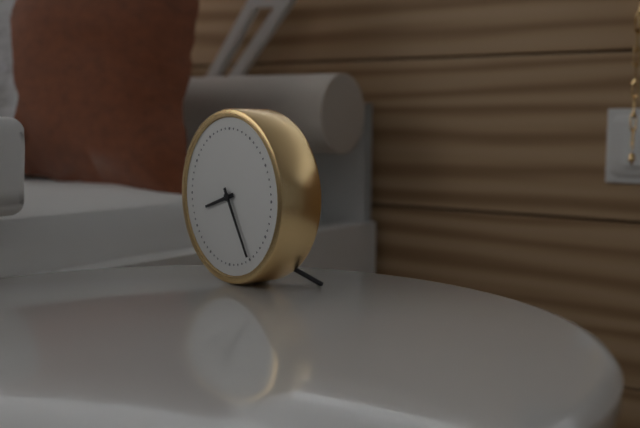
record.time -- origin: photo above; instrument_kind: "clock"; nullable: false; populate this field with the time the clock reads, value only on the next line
8:25
